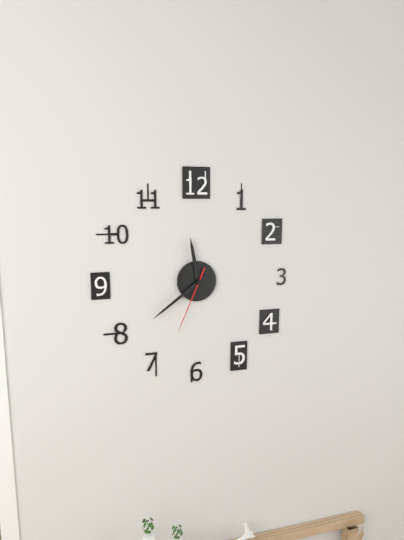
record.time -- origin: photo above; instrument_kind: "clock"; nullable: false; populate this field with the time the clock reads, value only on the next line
11:39:34
